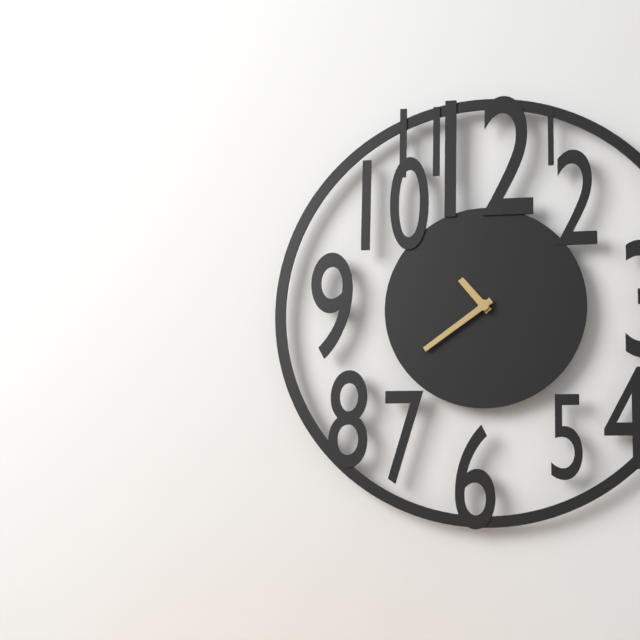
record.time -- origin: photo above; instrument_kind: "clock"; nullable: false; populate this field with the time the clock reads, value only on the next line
10:39
